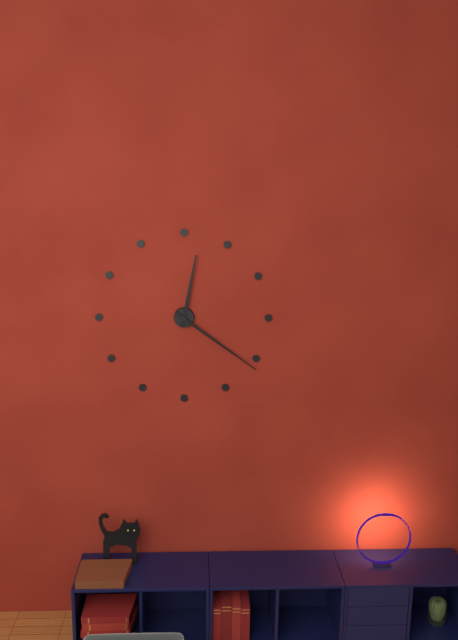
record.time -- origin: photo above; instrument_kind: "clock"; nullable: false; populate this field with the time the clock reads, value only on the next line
12:21
